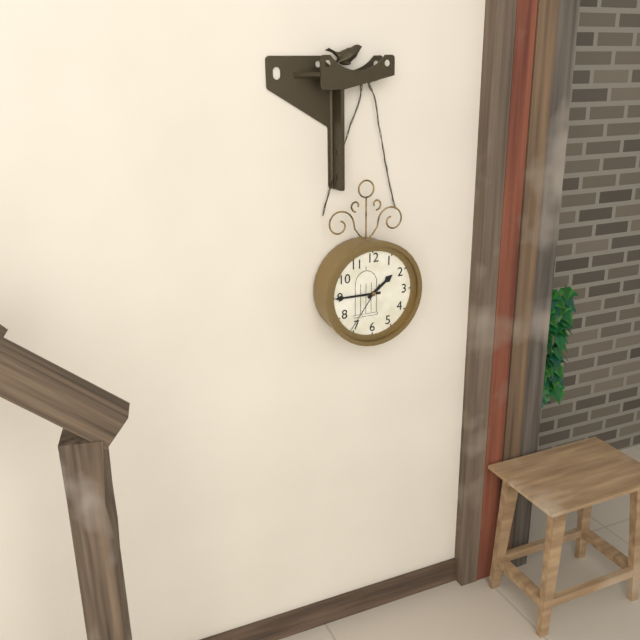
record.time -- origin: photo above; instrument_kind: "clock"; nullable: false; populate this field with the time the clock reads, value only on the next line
1:45:36
